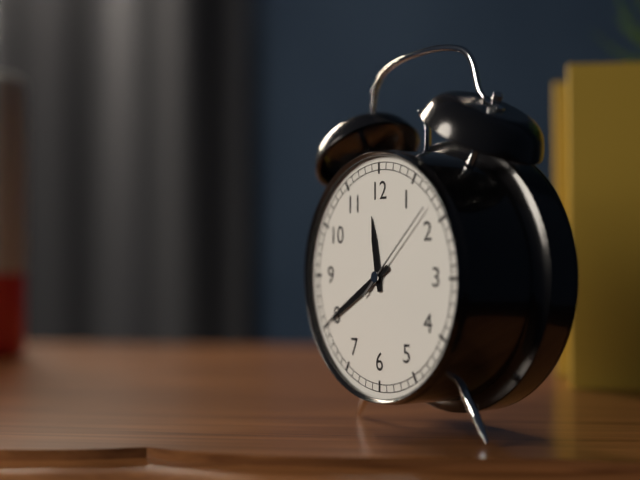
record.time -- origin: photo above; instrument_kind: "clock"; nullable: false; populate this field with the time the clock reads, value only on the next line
11:40:08
